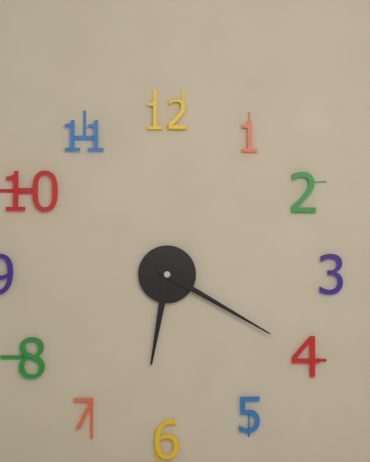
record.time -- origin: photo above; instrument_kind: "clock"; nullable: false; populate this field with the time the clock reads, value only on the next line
6:20
